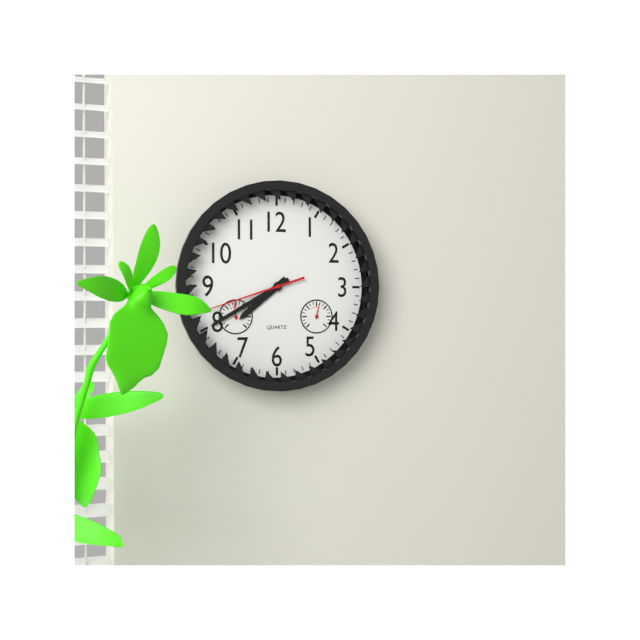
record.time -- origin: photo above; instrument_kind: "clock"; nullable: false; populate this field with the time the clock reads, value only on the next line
7:40:42
